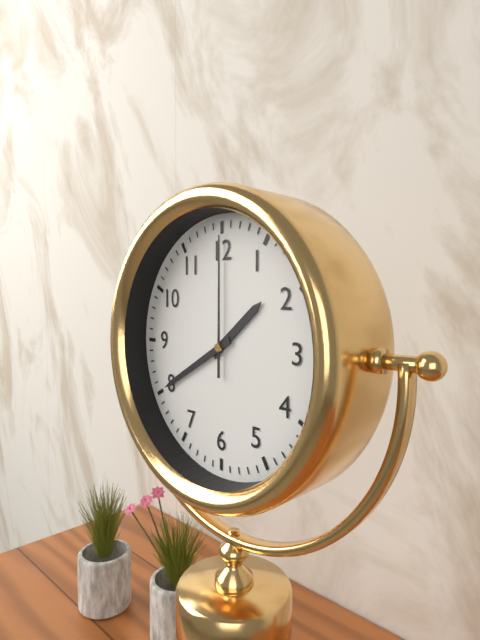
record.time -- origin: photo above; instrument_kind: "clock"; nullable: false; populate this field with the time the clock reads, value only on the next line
1:40:00
